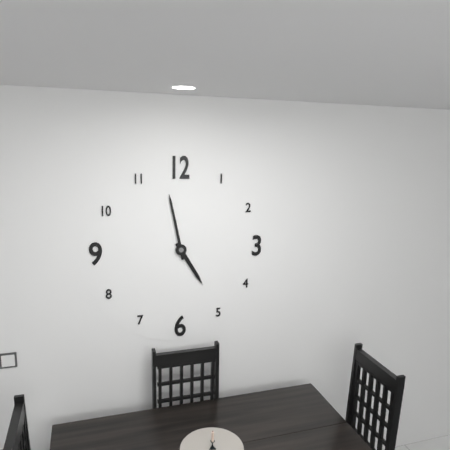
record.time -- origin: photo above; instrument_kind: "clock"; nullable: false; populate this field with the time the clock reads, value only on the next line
4:58
